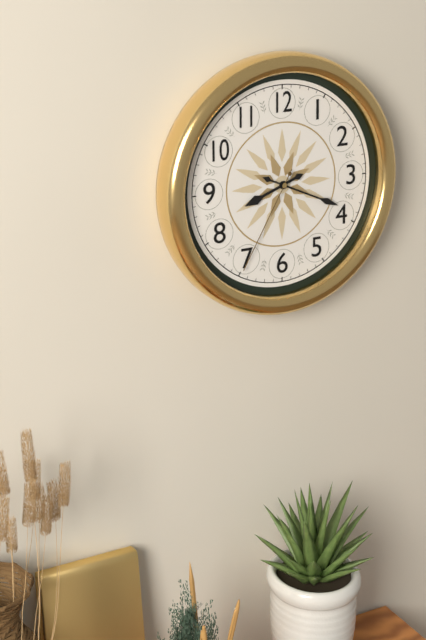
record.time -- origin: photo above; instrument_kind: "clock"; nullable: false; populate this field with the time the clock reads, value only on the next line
8:19:35
